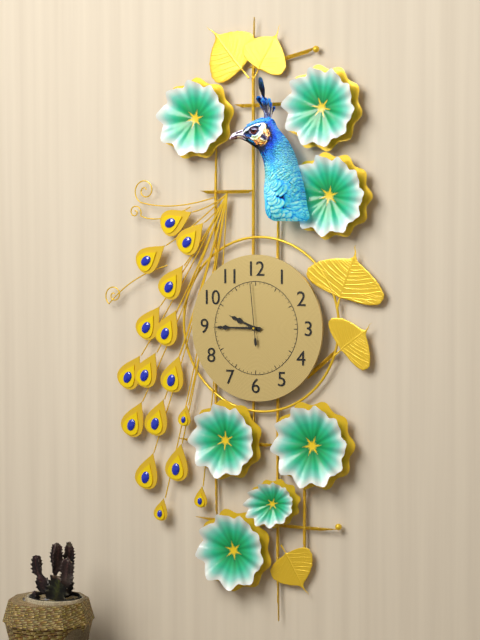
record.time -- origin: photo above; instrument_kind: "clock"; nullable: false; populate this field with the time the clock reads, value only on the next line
9:45:59
